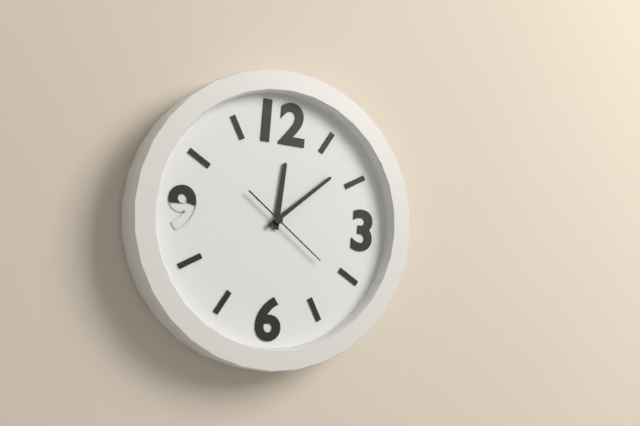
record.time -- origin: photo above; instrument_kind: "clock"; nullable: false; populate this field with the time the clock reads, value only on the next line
12:08:21
